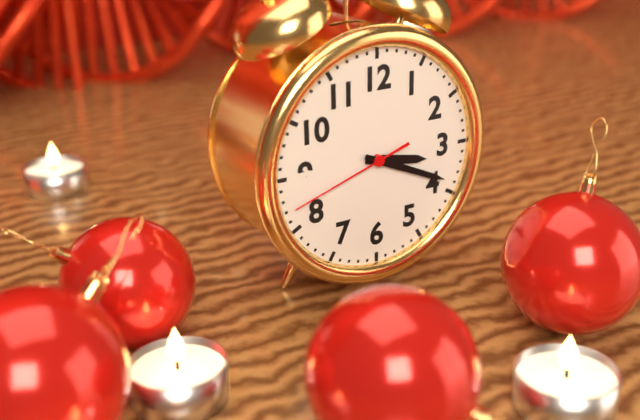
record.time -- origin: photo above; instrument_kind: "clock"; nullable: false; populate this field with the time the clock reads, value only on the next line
3:19:42
